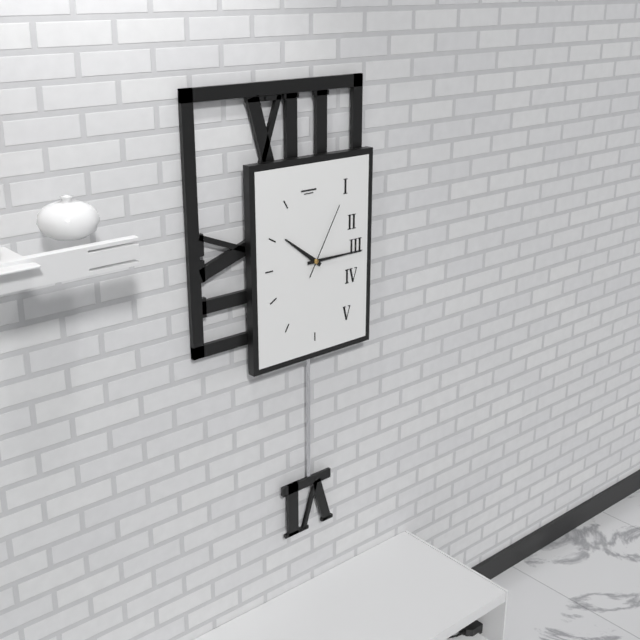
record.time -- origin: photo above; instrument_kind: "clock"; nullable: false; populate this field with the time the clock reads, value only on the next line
10:15:05
